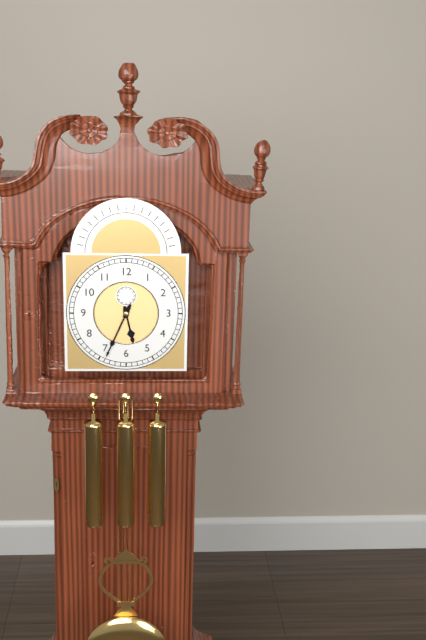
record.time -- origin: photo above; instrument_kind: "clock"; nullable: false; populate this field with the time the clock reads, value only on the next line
5:34
